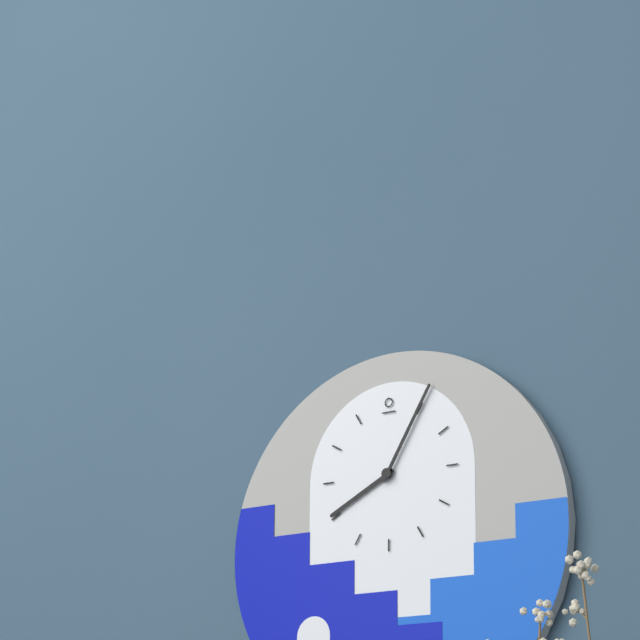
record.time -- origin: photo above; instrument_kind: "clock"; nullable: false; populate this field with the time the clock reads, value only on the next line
8:05
